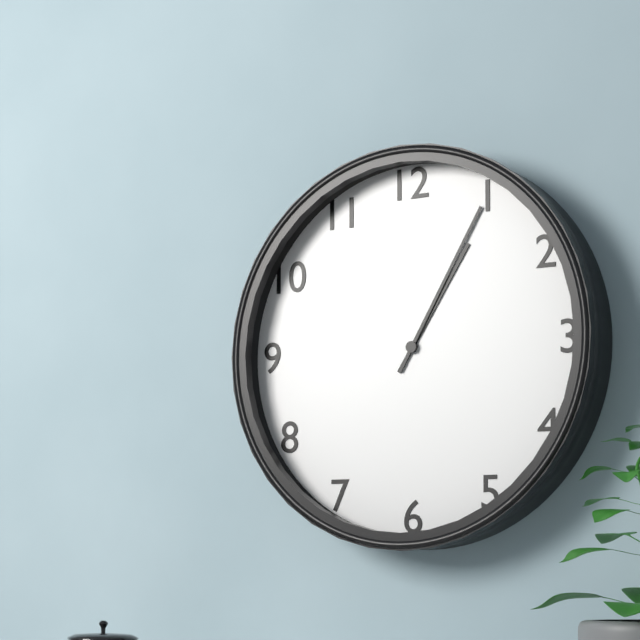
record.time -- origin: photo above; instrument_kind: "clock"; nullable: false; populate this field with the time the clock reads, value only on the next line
1:05
